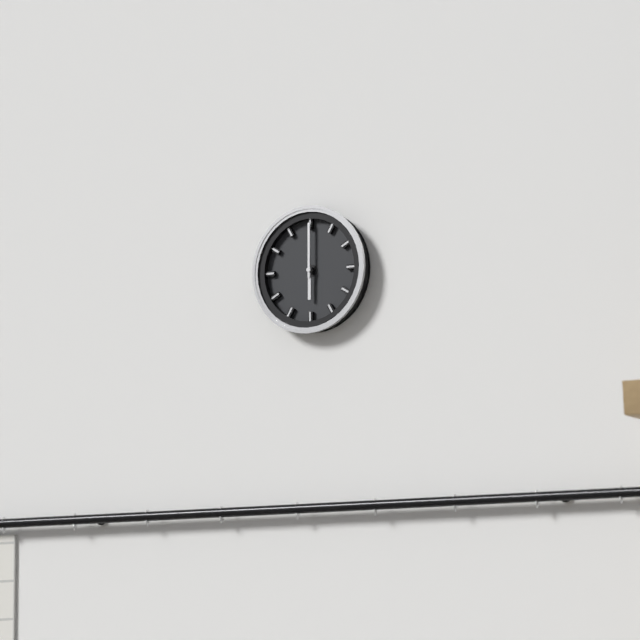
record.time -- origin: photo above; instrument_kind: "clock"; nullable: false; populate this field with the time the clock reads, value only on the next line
6:00
